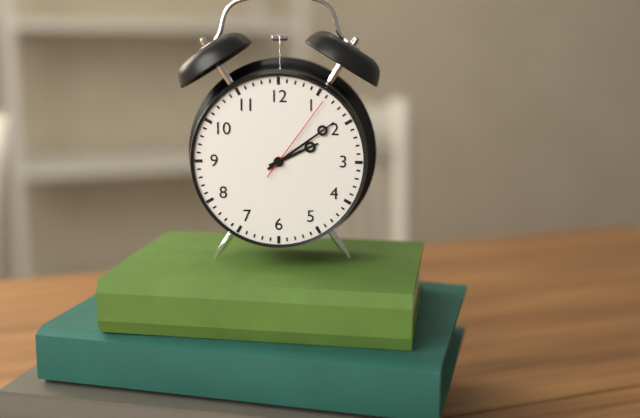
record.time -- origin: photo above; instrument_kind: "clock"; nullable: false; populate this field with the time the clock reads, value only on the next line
2:09:06
